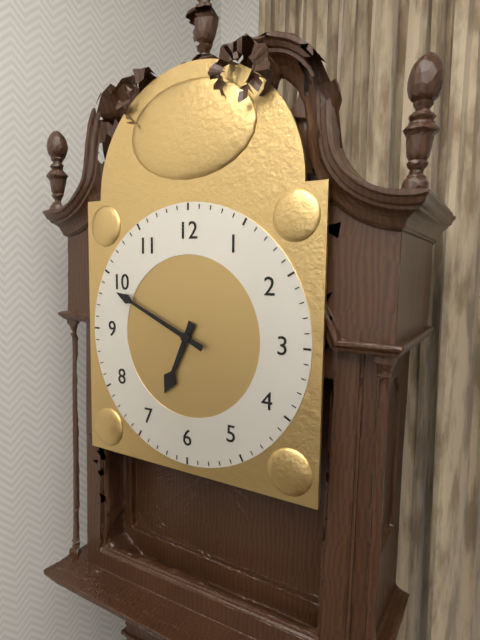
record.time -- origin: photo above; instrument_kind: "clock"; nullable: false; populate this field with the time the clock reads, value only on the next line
6:49
